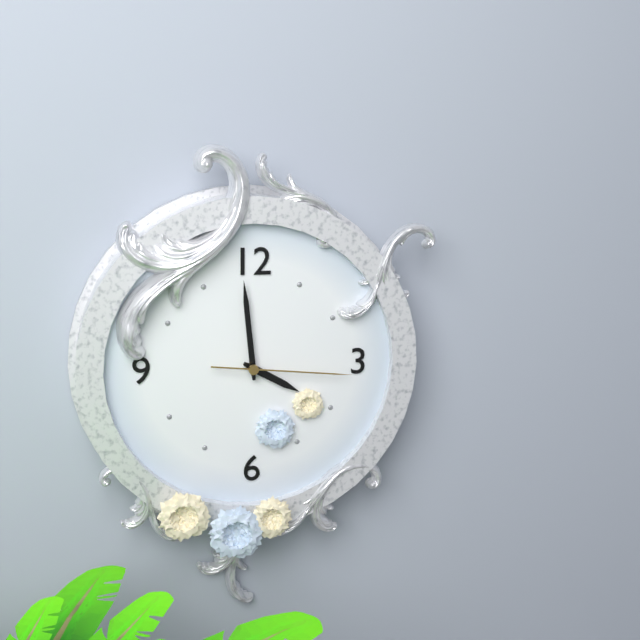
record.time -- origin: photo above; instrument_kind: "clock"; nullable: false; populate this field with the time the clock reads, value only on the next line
3:59:16
